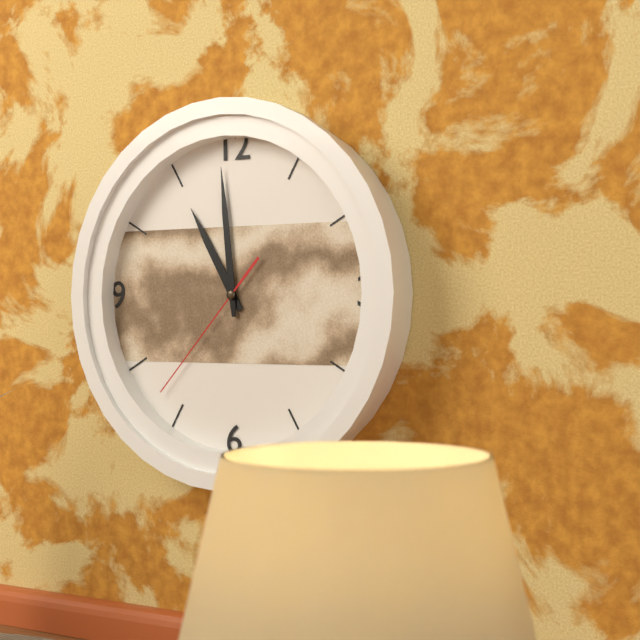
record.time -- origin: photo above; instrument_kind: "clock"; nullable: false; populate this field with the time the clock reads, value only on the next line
10:59:37
